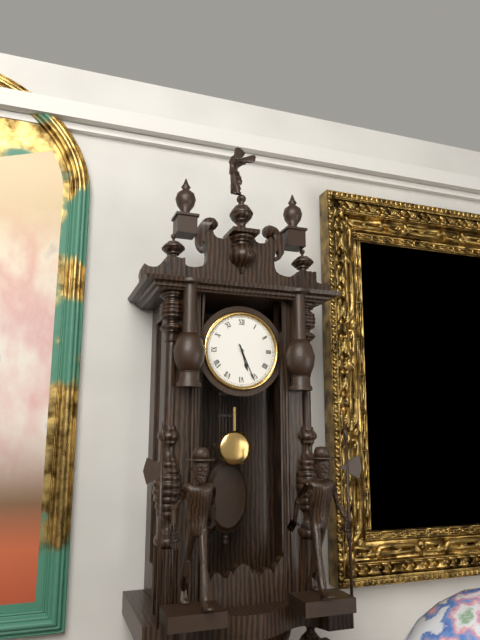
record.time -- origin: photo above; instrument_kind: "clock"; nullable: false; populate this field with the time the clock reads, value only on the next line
5:26
